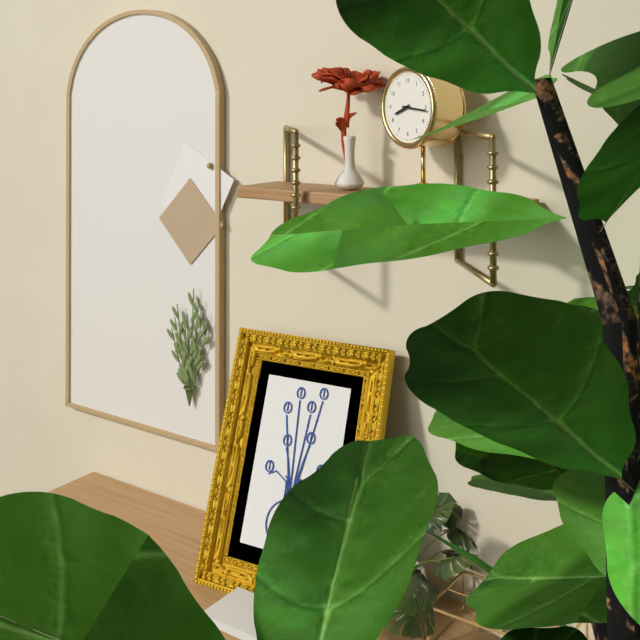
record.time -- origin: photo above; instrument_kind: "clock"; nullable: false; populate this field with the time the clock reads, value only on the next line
8:16
